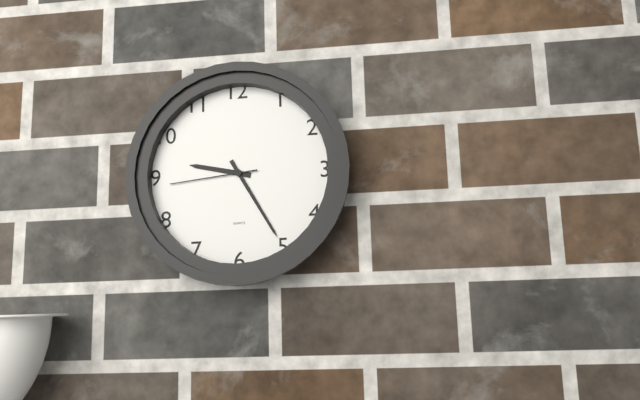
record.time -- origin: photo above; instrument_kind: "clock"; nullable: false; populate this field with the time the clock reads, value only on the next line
9:25:44
